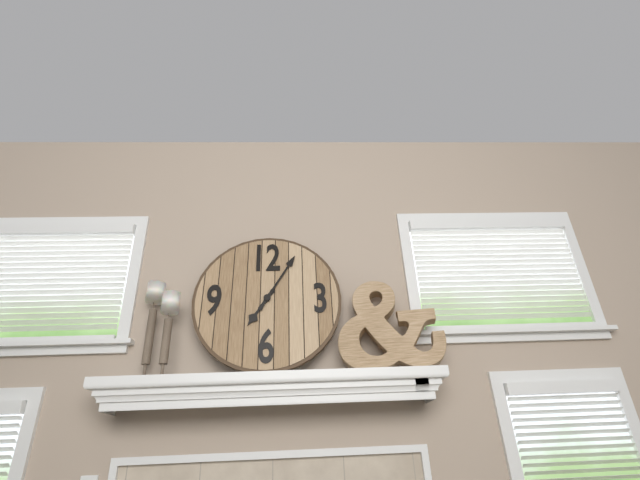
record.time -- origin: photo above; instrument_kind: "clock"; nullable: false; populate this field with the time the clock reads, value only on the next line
7:05
